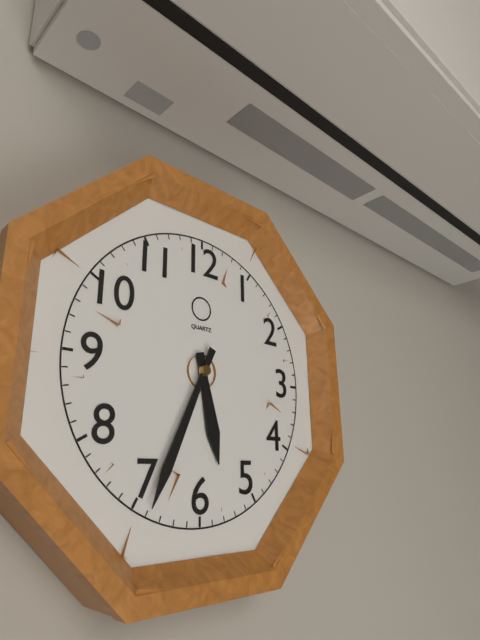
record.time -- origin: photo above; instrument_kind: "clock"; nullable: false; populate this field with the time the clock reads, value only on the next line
5:34
